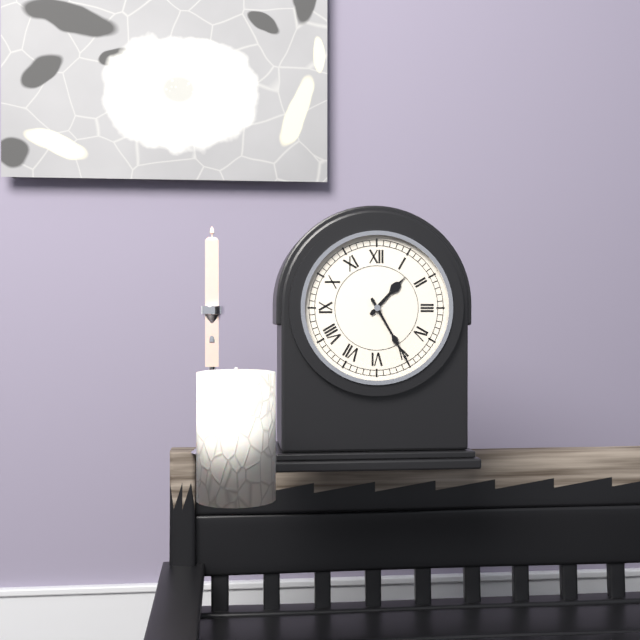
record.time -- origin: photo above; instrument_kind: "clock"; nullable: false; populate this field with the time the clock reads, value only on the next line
1:25
